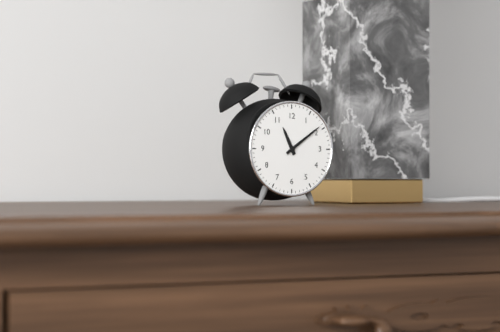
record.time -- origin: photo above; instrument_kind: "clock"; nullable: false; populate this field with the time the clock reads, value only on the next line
11:09
